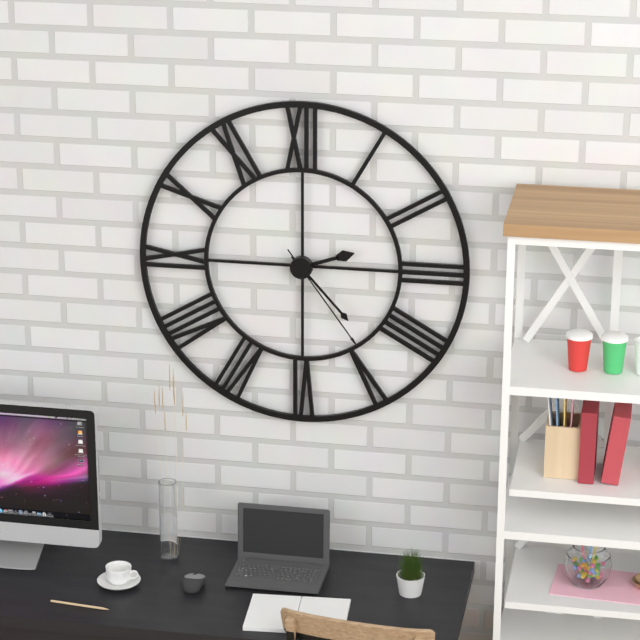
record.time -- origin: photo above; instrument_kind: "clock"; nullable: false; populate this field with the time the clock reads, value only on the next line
2:23:24
